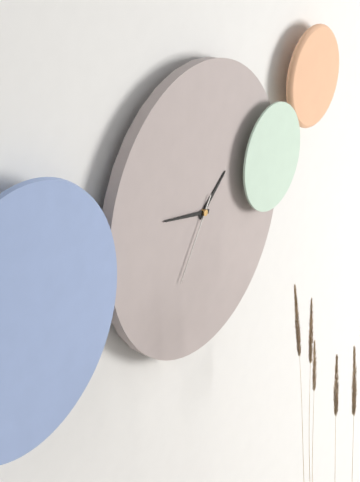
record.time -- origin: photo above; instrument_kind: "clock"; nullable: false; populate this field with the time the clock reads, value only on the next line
1:47:36
